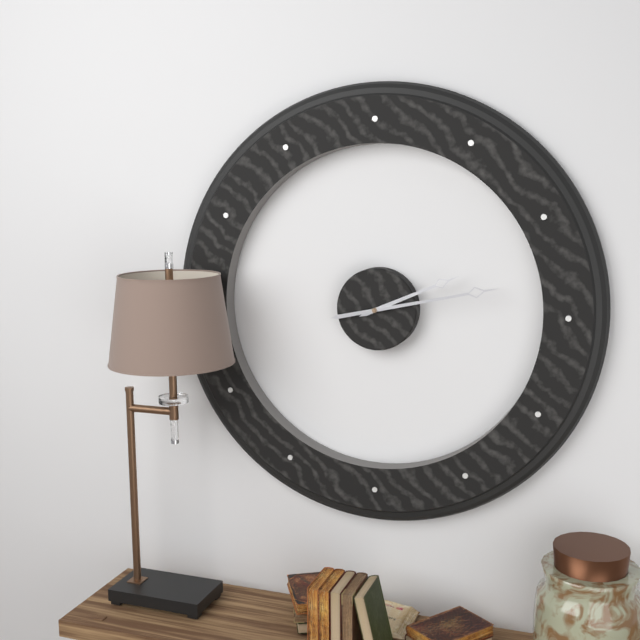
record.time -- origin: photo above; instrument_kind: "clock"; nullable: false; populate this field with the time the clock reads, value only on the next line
2:13
